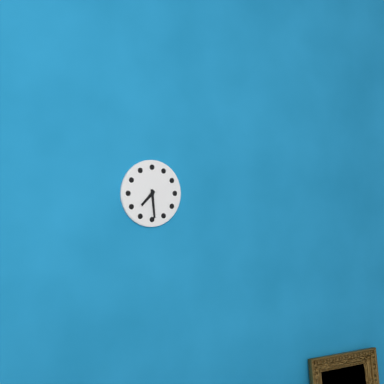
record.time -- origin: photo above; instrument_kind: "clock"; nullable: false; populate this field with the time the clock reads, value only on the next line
7:29
